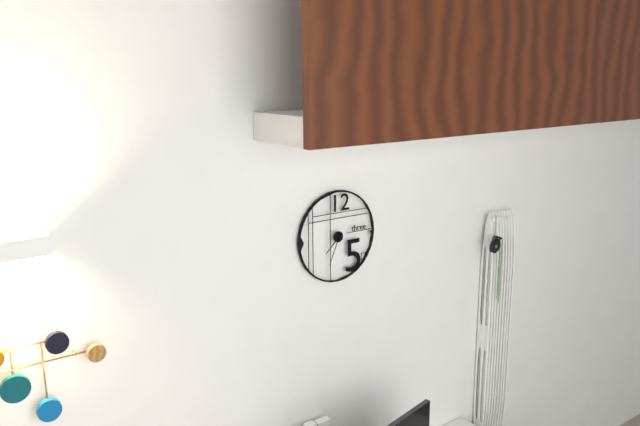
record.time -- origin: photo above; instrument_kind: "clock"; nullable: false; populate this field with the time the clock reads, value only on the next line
7:34
